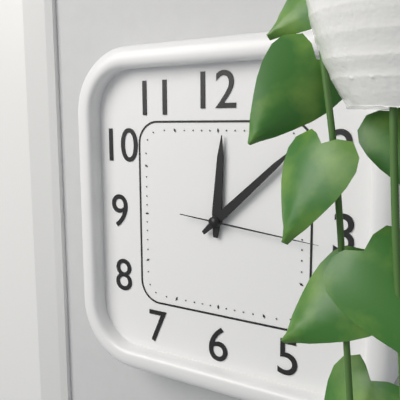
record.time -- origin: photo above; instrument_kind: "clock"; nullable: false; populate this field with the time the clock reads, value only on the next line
12:08:16
